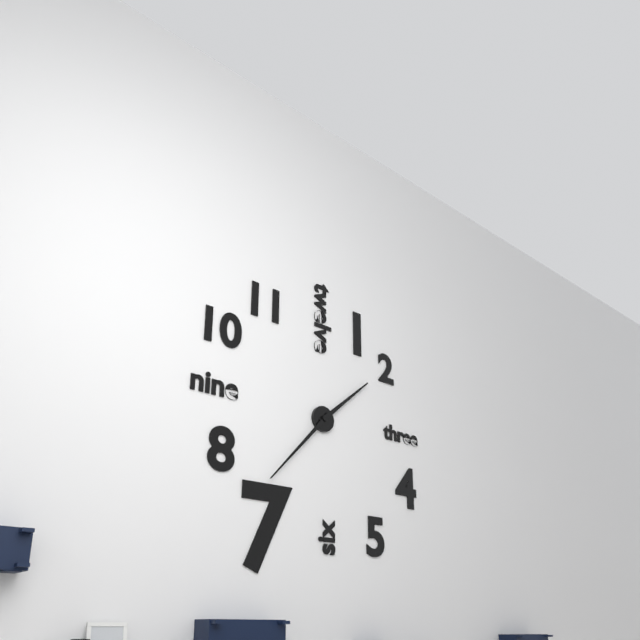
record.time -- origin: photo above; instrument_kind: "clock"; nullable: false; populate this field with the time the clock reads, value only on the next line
1:37
